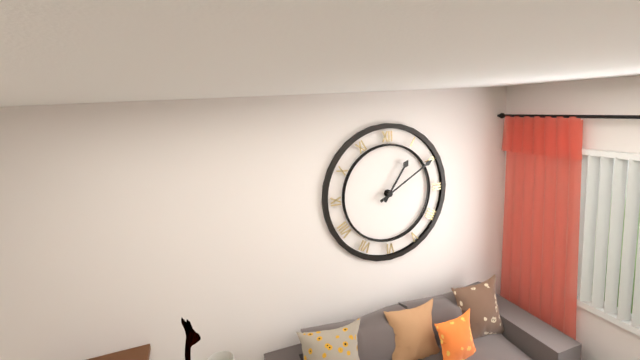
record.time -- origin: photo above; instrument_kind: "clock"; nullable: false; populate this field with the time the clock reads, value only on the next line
1:10
